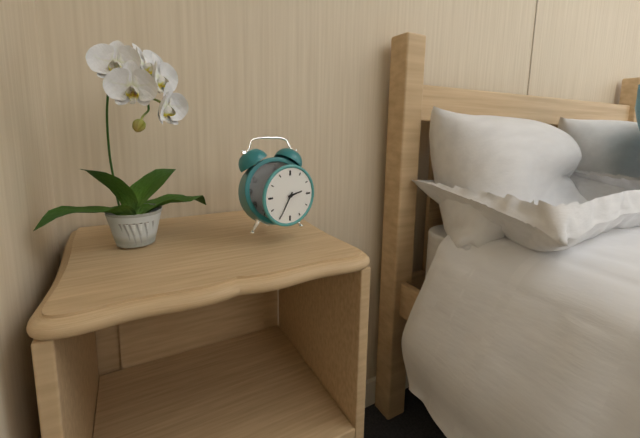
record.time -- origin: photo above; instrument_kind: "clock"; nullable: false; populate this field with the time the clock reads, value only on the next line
2:35
